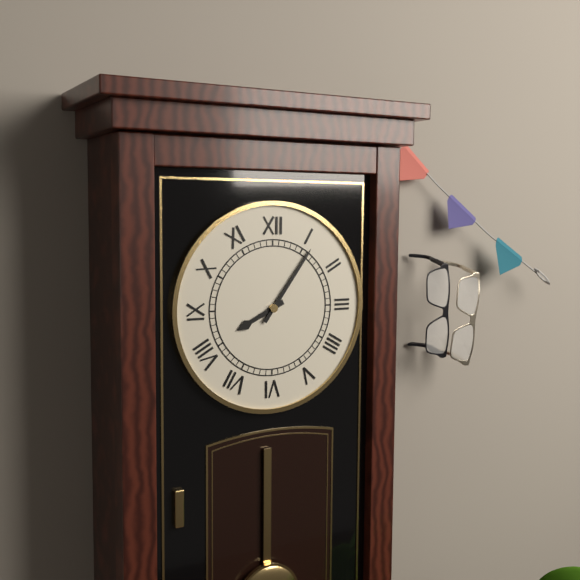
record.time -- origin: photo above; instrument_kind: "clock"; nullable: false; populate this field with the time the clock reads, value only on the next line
8:06
